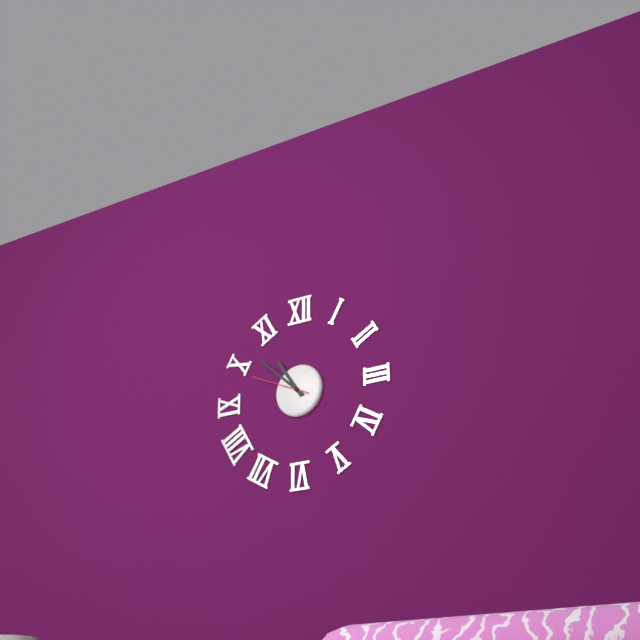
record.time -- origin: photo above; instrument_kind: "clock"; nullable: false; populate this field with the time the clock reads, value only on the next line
10:52:49
